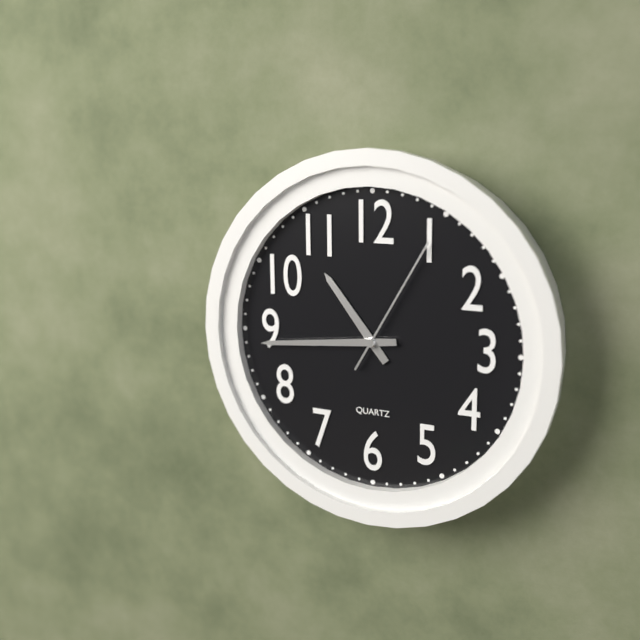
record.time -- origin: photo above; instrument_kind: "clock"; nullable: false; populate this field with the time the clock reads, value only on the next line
10:44:05
